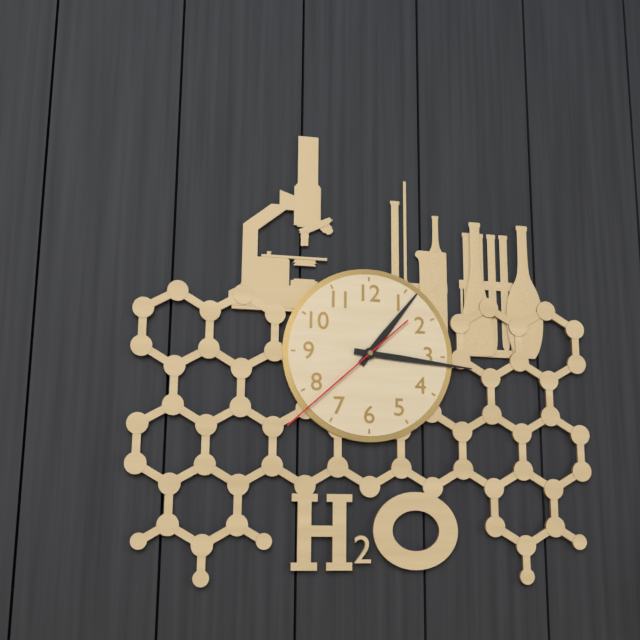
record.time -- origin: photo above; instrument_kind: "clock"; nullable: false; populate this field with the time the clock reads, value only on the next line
1:16:38
